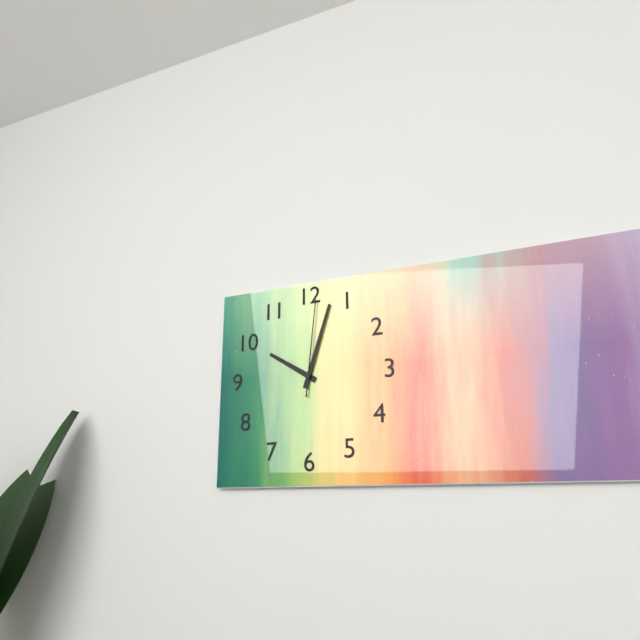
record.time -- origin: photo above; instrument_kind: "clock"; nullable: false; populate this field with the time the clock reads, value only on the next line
10:03:01
